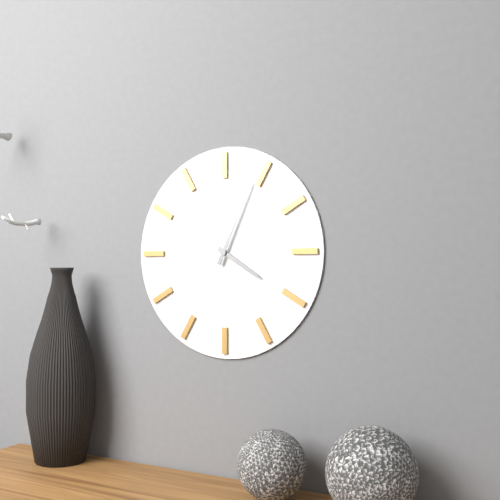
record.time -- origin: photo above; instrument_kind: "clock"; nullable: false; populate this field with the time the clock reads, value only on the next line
4:04
